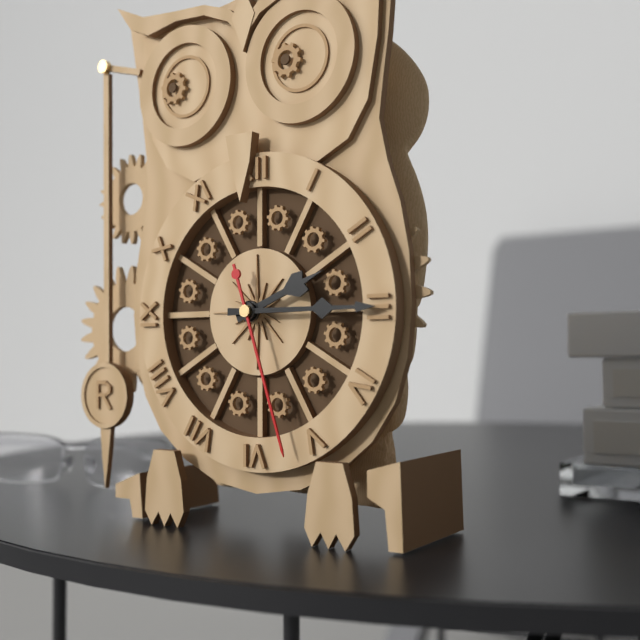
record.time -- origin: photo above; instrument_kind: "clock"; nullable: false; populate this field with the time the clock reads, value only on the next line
2:15:27
